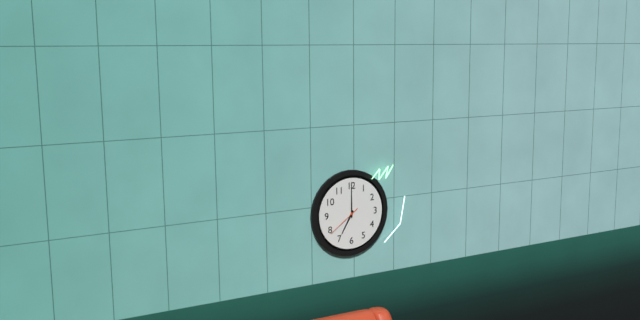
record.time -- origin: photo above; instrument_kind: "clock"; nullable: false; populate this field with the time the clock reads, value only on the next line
7:00
